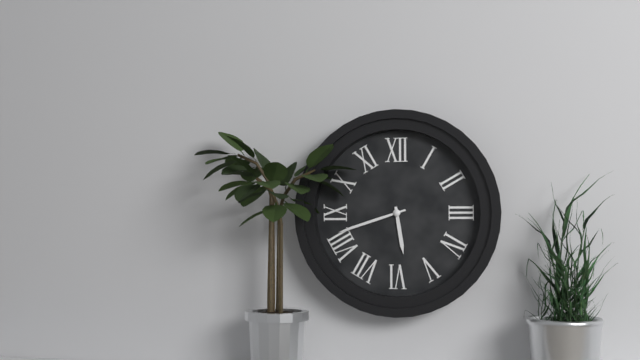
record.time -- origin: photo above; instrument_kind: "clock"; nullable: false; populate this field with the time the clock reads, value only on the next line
5:42
